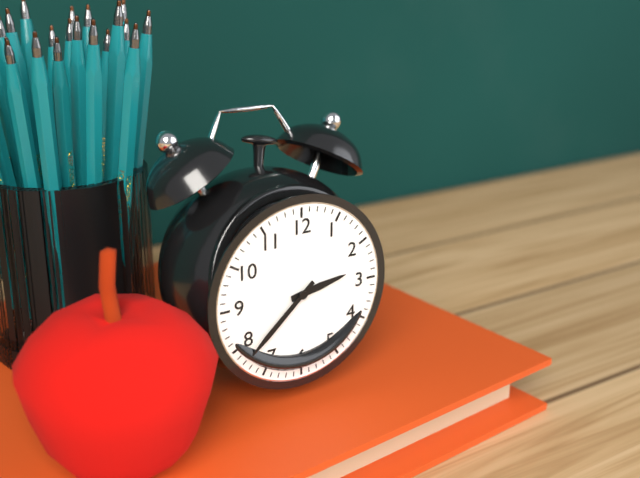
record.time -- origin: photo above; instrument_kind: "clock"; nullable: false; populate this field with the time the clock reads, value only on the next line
2:38
